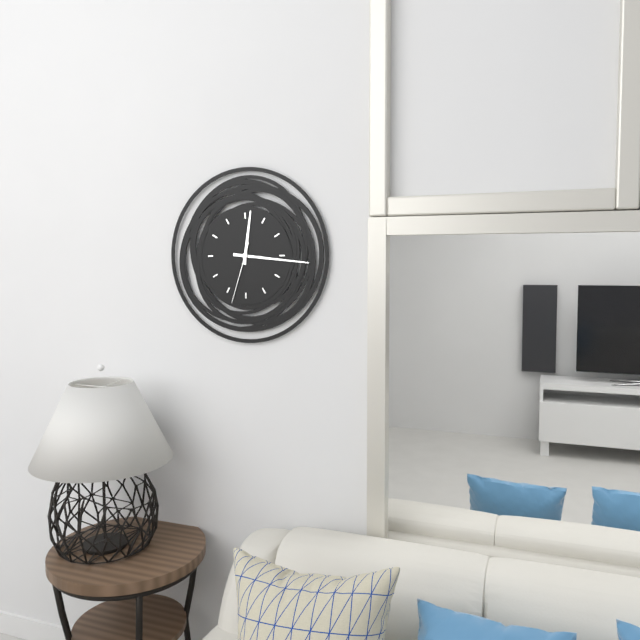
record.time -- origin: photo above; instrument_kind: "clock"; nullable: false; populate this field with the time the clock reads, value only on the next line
12:16:33
